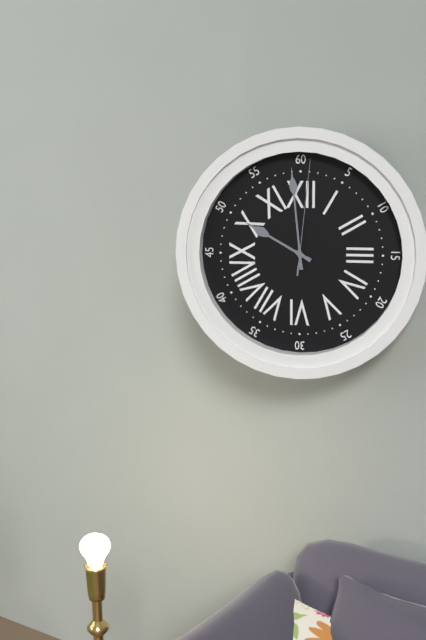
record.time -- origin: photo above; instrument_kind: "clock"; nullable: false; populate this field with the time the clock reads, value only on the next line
9:59:01
